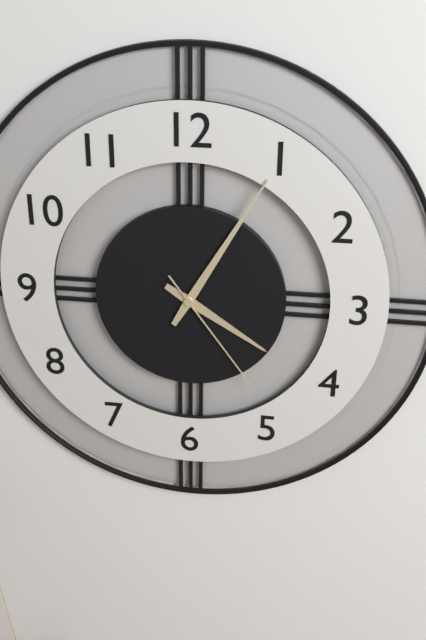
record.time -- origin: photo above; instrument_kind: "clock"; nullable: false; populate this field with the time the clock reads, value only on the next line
4:05:24
